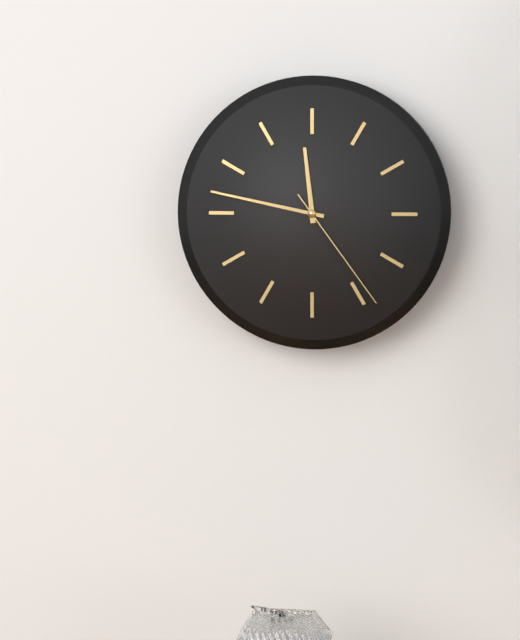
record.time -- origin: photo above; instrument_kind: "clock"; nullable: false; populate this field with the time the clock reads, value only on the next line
11:47:24
